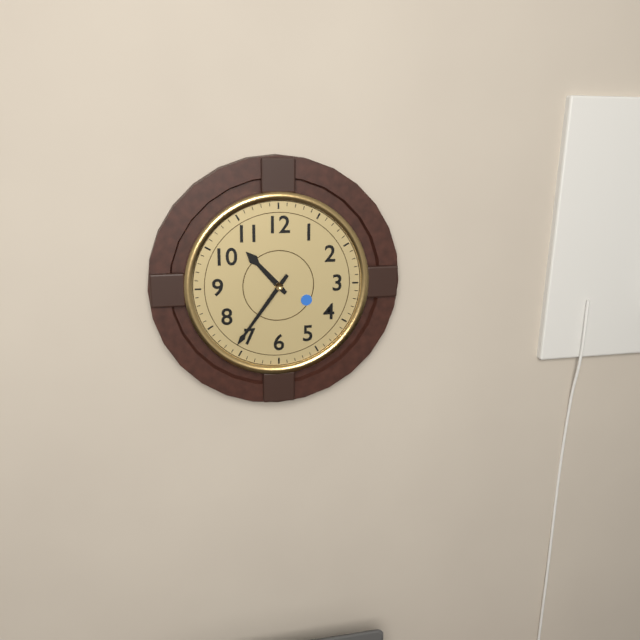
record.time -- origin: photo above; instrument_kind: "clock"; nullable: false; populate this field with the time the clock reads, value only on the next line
10:36
